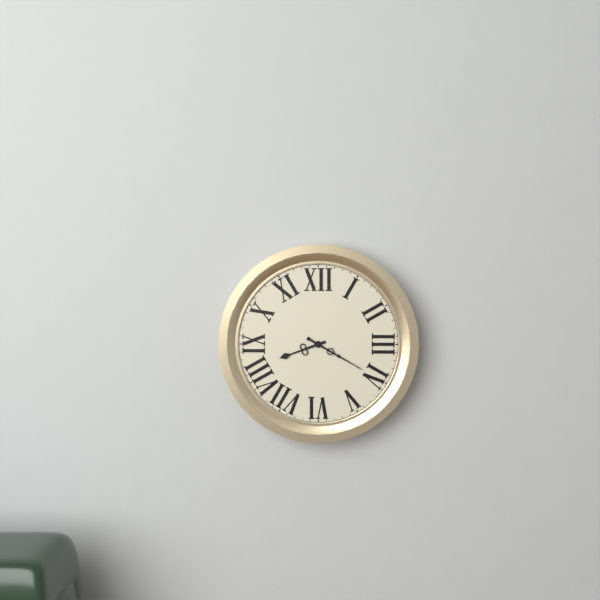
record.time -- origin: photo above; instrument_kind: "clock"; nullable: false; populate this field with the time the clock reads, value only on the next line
8:20
